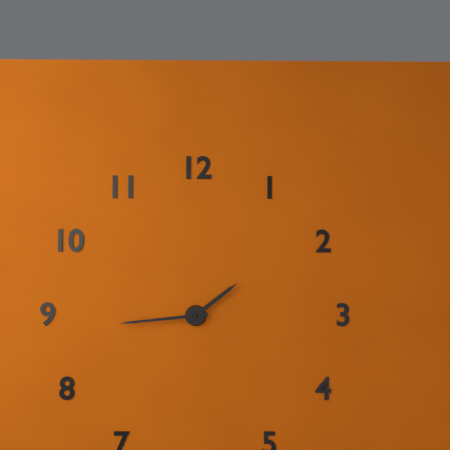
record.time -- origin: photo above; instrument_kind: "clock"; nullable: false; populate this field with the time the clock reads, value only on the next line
1:44
